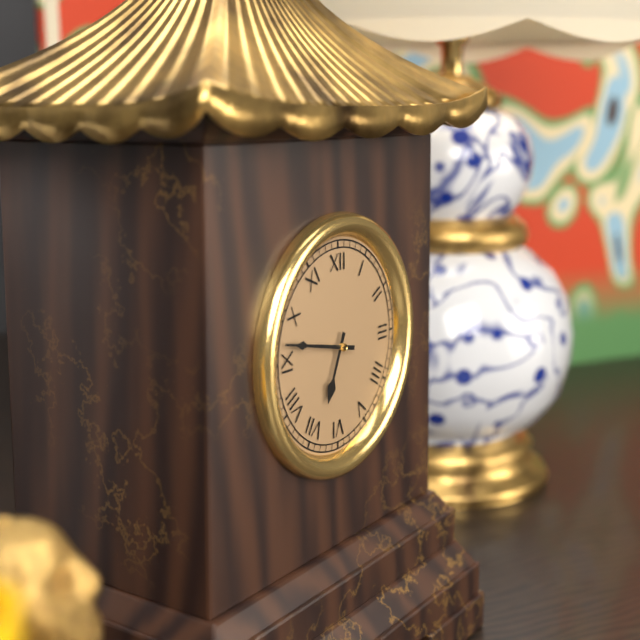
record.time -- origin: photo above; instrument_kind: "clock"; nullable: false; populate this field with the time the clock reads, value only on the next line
6:47
